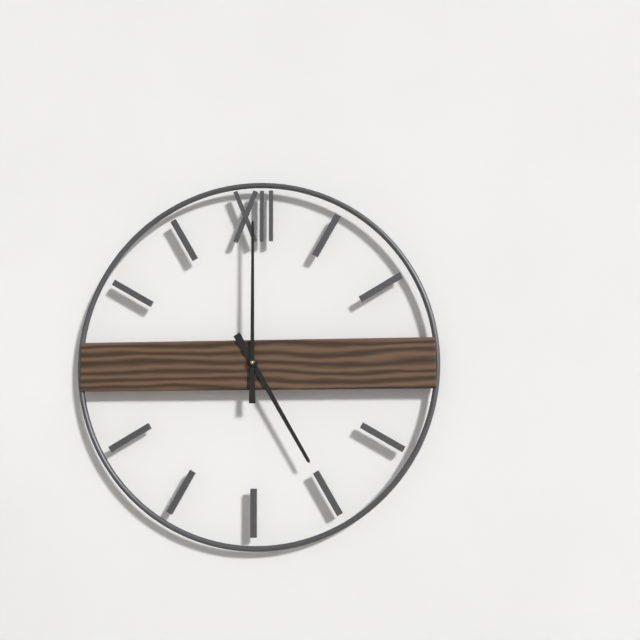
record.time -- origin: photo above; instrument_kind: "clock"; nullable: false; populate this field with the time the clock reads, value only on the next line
5:00
